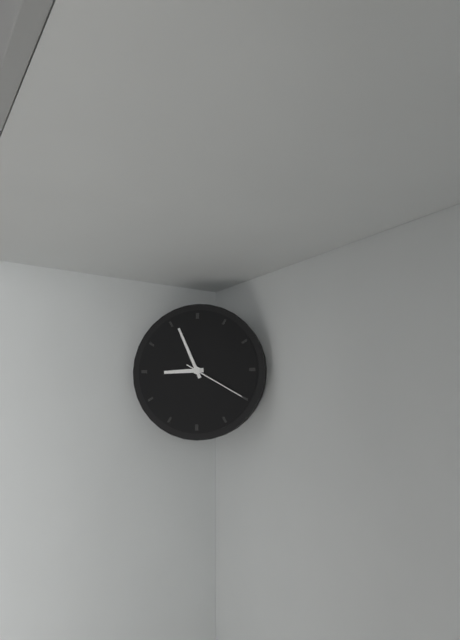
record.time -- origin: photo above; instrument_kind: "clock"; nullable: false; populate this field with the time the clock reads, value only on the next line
8:56:20
